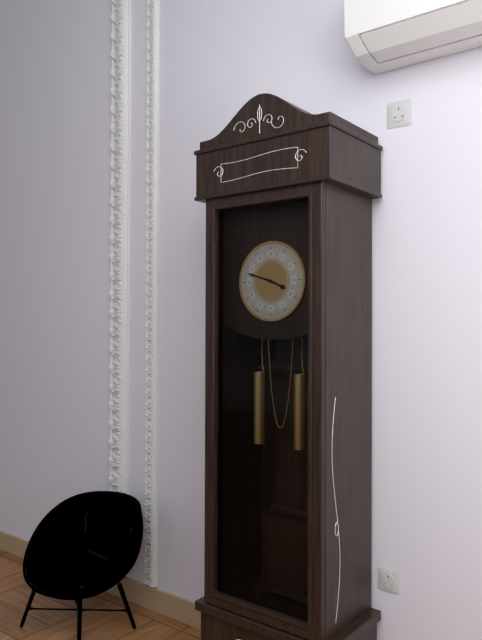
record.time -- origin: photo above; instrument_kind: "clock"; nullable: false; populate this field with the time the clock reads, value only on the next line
3:48
